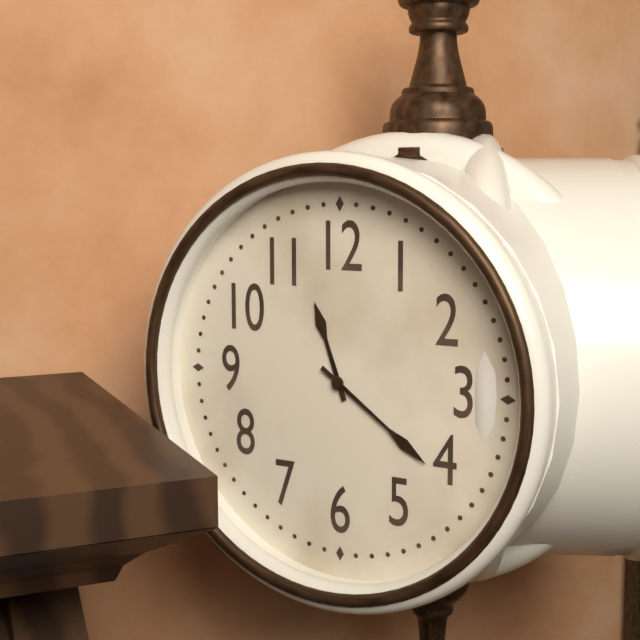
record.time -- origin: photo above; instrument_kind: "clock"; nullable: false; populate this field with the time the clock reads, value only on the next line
11:21
